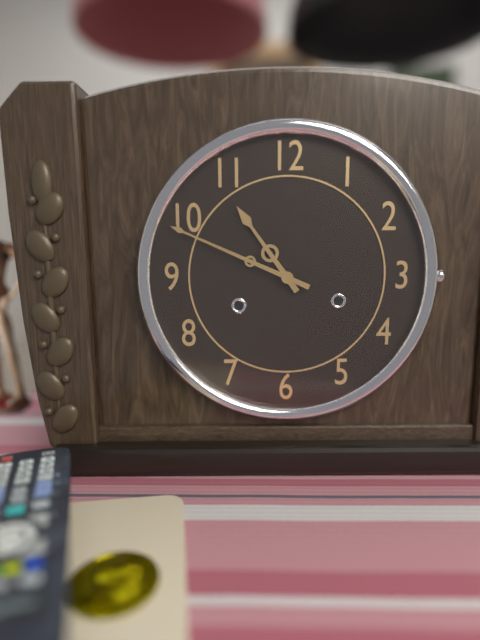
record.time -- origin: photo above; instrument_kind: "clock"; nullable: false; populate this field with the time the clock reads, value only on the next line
10:49
